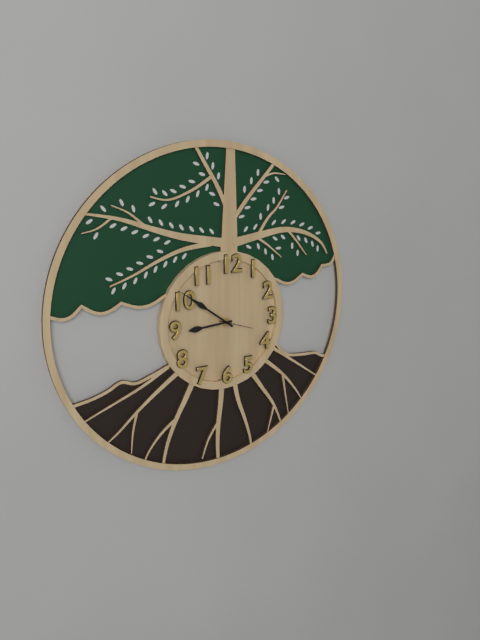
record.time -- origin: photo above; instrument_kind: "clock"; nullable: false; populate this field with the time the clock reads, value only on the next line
8:51
